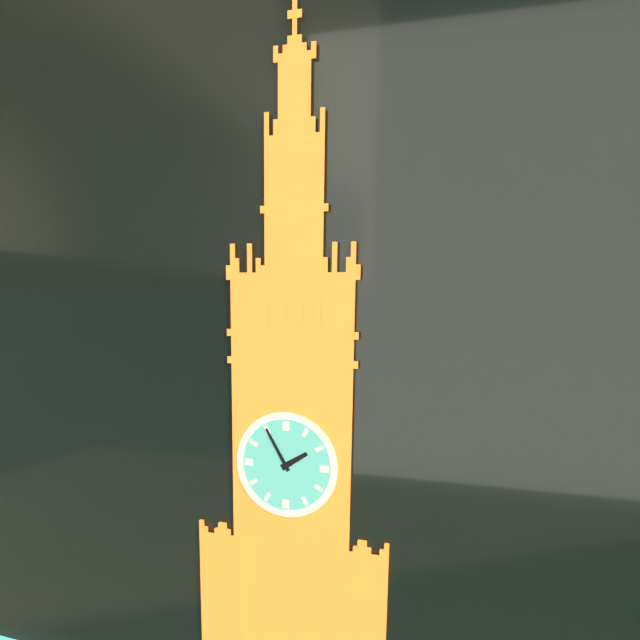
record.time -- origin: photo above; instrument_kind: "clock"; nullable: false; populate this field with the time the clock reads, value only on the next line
1:55
